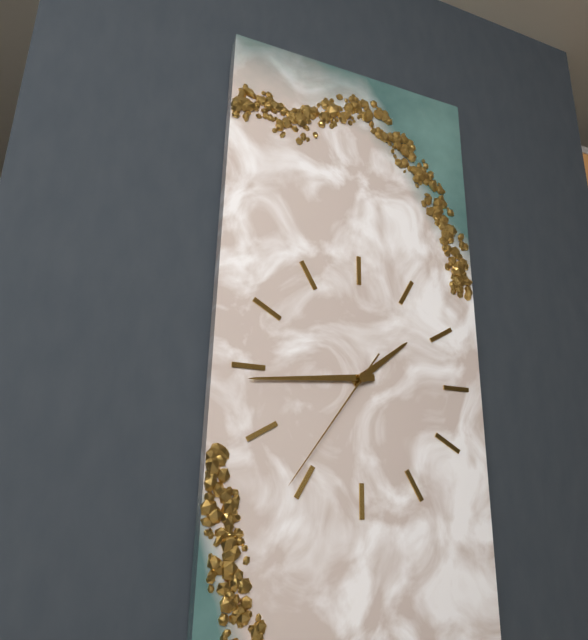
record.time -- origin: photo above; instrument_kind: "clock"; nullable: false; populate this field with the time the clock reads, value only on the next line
1:44:36
